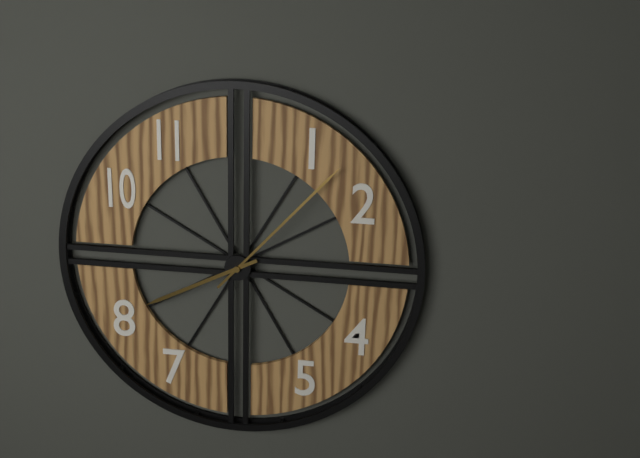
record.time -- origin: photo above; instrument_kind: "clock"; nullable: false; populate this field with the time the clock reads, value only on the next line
8:07
